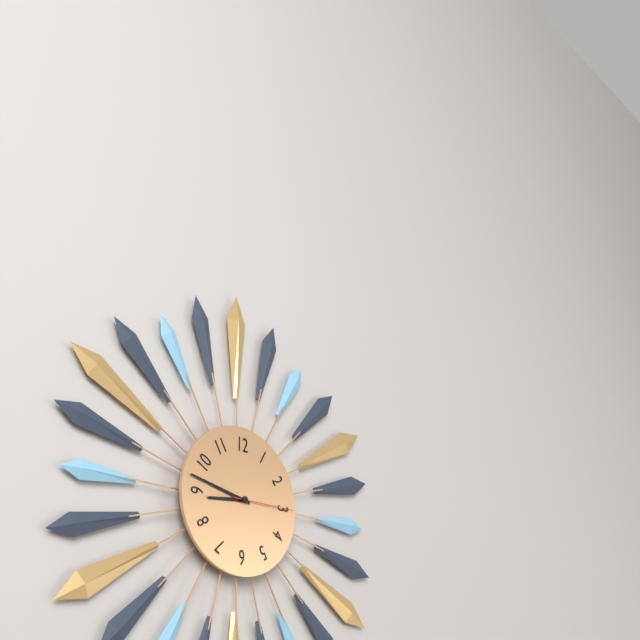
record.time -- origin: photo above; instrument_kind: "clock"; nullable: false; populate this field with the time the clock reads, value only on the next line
8:47:15
